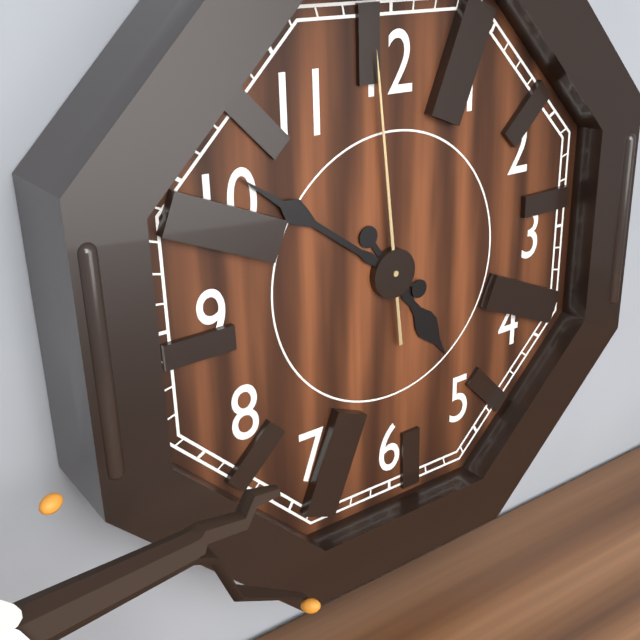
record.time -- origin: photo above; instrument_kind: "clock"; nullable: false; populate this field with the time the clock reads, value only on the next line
4:51:59
